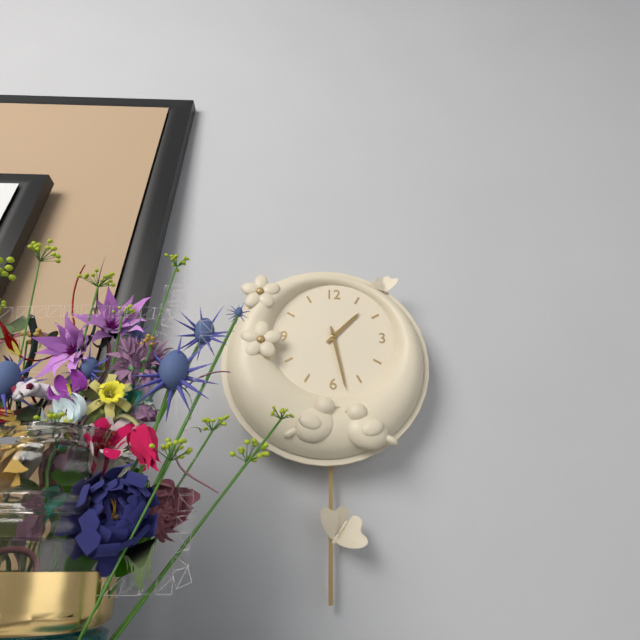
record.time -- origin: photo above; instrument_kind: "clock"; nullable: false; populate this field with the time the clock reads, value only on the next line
1:28
